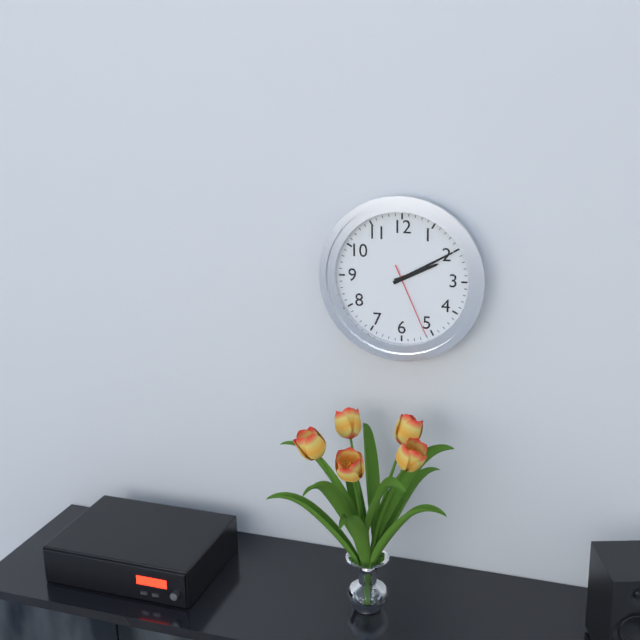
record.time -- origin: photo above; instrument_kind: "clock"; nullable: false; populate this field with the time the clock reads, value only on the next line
2:10:26
